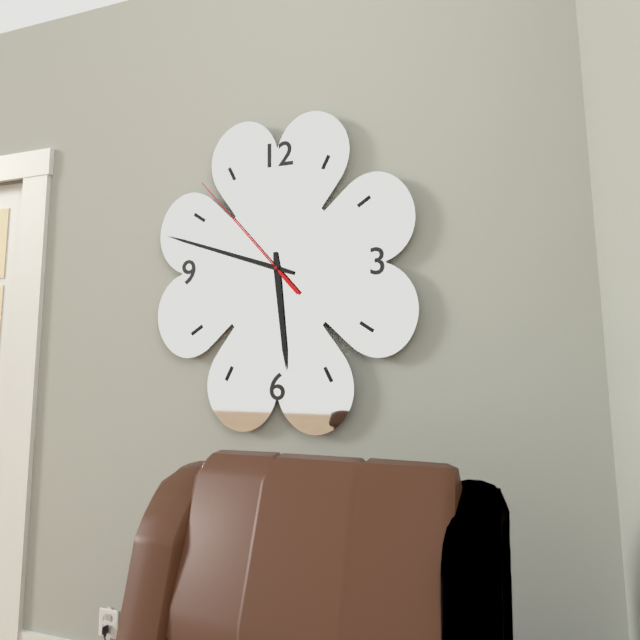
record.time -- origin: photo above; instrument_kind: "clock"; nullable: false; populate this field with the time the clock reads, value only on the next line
5:48:53
